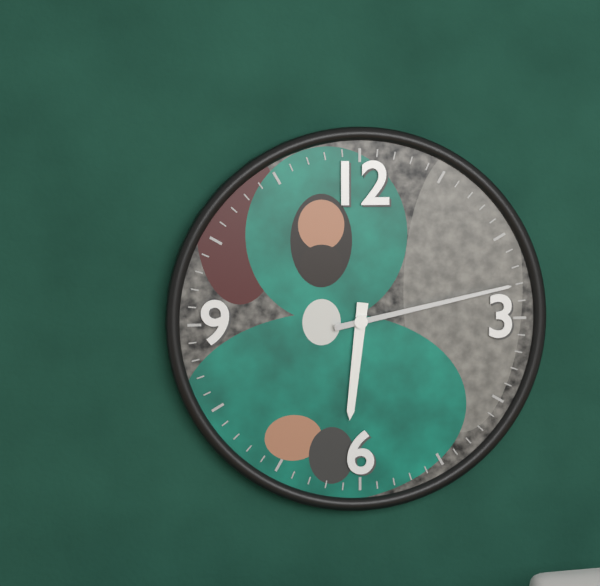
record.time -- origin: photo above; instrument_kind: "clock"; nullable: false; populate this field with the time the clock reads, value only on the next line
6:13
